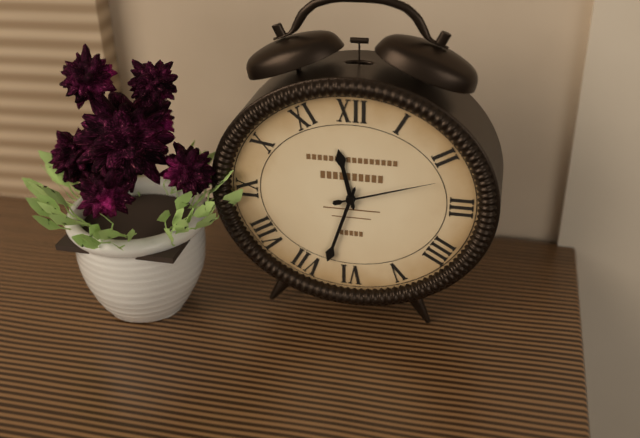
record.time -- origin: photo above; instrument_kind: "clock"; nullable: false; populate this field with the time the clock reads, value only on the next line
11:33:12
